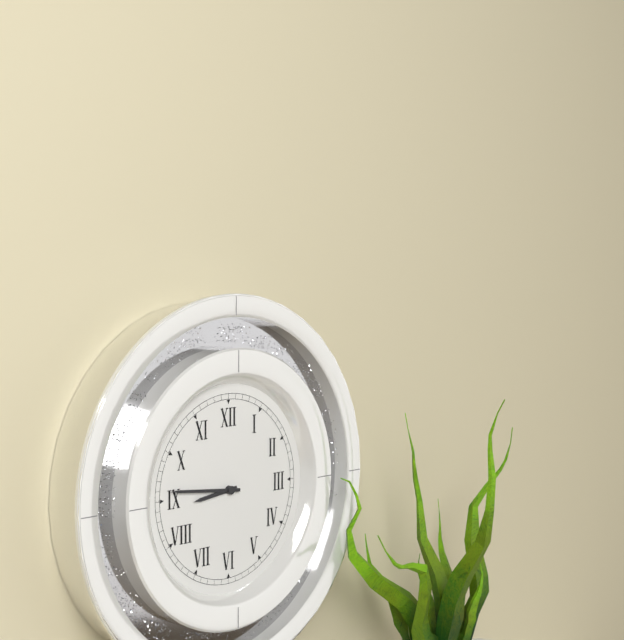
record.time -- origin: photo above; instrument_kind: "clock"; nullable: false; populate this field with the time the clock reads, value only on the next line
8:46
